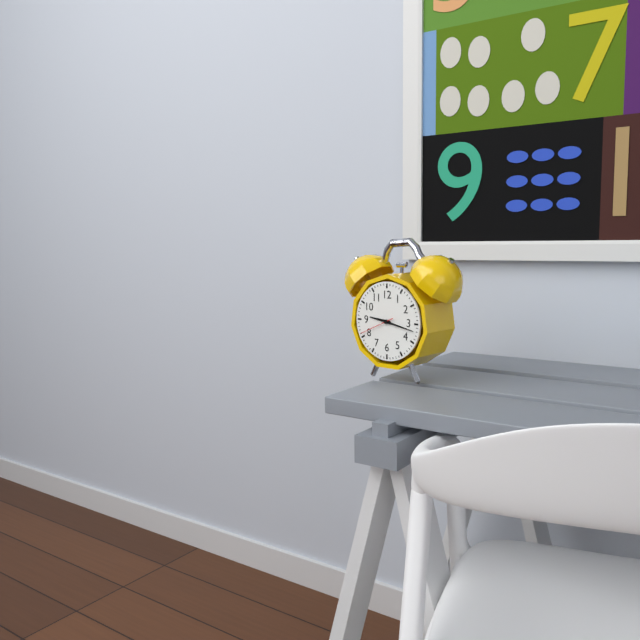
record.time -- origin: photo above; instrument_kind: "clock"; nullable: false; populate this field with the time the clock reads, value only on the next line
9:17
